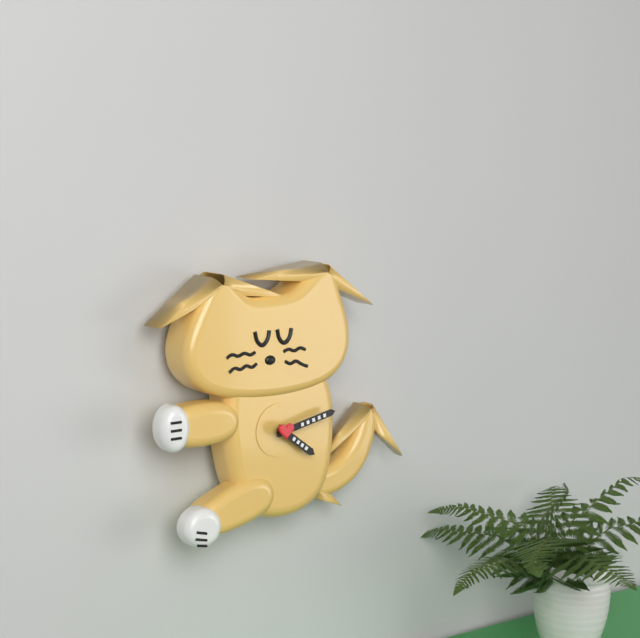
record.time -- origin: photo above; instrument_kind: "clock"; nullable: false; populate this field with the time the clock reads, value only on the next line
4:13
